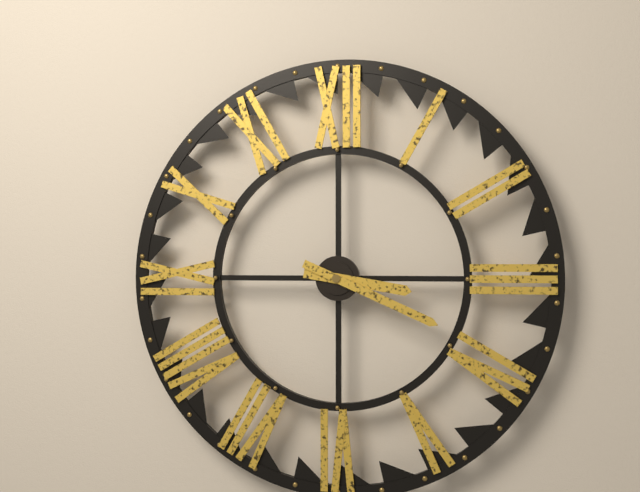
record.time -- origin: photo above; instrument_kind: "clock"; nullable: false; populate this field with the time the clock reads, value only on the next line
3:19
